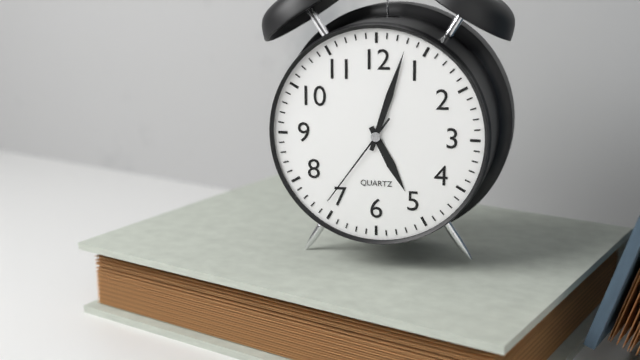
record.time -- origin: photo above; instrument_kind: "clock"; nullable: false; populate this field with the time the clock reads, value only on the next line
5:03:36
